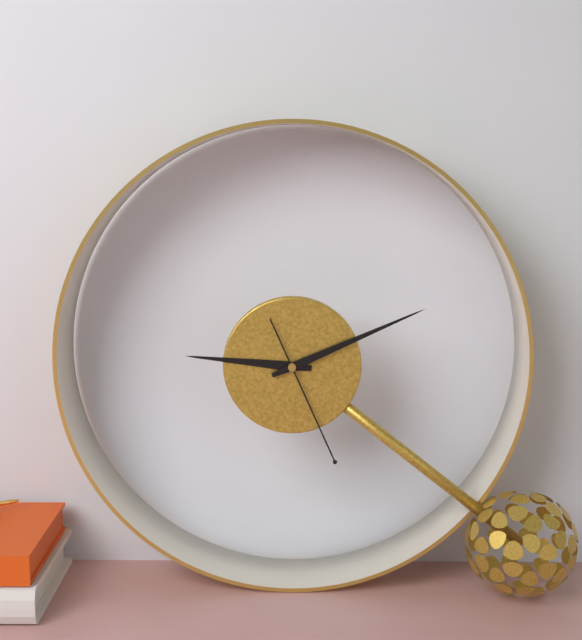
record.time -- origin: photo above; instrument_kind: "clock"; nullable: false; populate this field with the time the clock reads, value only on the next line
9:11:26
